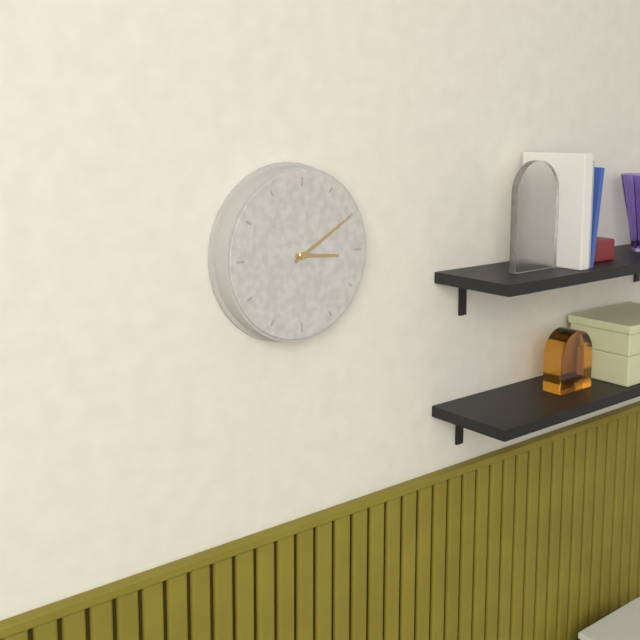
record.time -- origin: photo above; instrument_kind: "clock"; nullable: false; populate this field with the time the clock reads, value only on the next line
3:10
